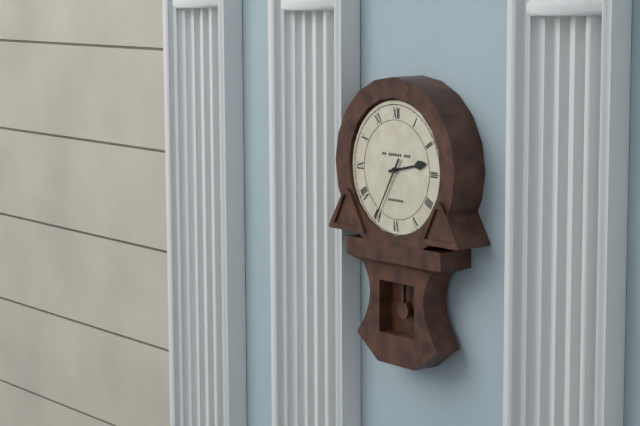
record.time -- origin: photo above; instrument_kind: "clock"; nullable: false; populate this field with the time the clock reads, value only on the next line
2:35
